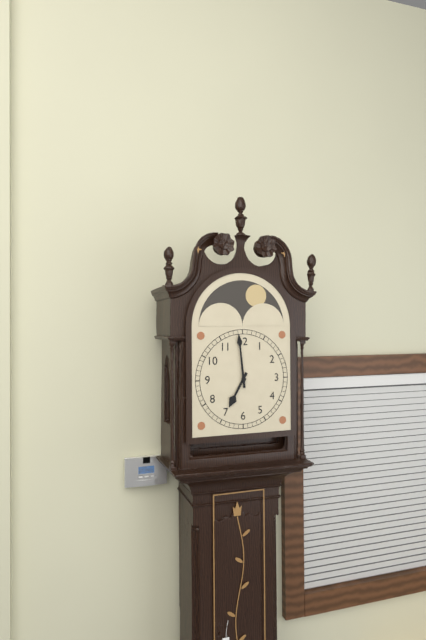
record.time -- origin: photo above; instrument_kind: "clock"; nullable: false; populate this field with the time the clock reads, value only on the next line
6:59
